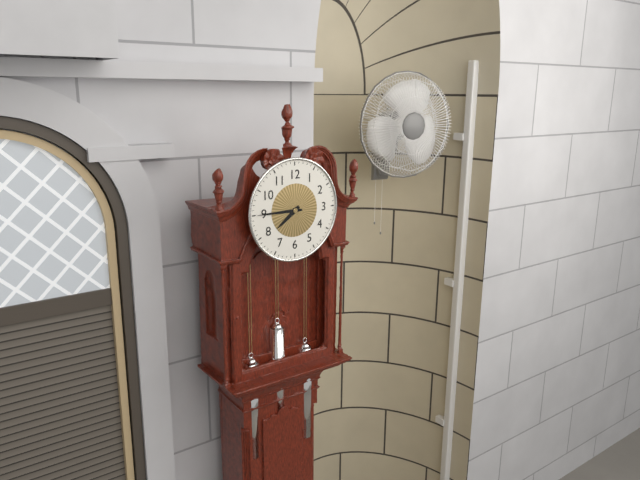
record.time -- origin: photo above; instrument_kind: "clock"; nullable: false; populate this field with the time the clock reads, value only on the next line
7:45
